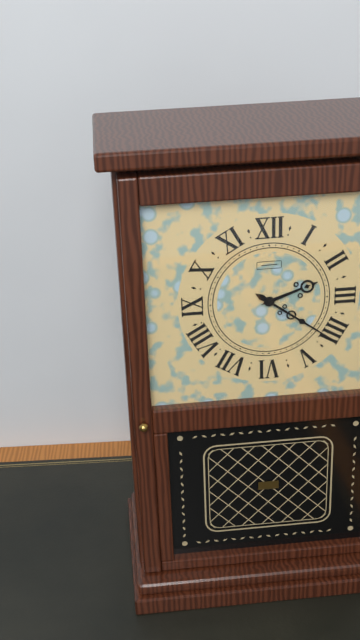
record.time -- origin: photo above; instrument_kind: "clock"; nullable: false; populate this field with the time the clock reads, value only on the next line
2:21
